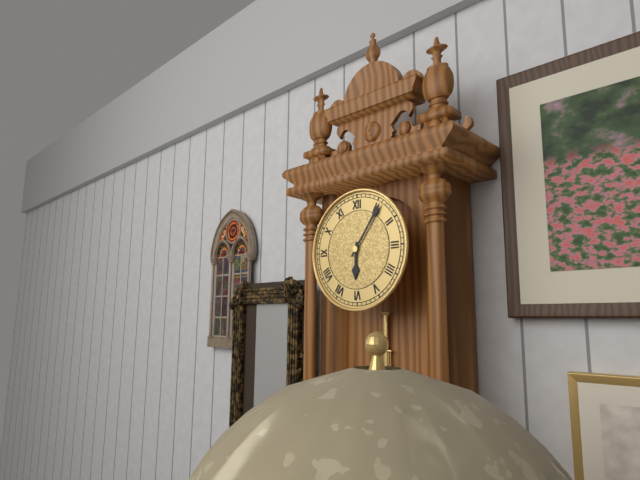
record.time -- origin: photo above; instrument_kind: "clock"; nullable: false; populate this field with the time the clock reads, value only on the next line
6:06
